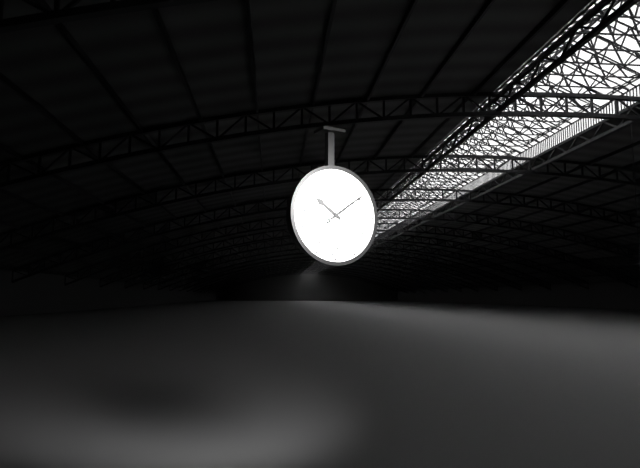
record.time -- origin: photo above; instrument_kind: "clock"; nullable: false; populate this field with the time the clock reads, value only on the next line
10:09
